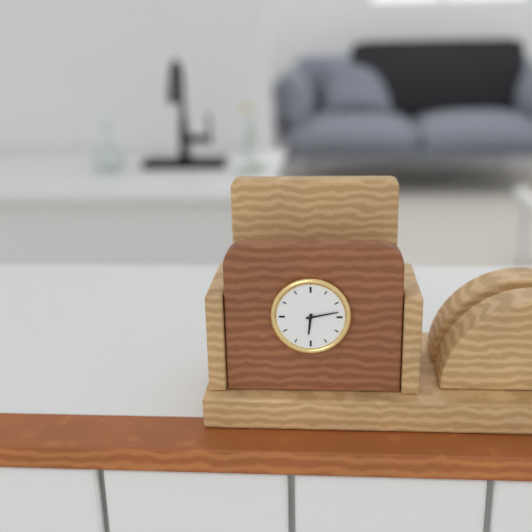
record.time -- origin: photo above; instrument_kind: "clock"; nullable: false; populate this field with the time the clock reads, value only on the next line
6:13
